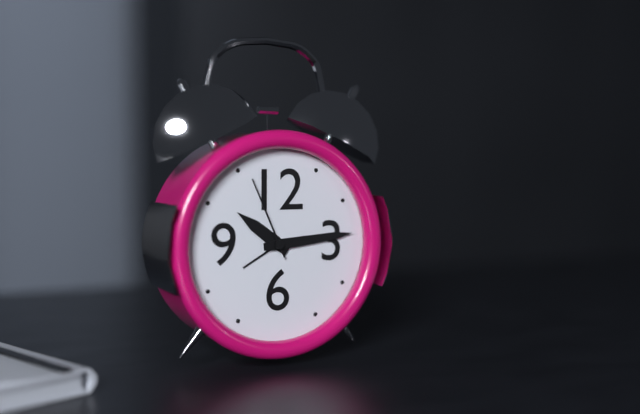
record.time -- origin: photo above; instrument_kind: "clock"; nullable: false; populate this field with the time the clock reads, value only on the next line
10:14:56
